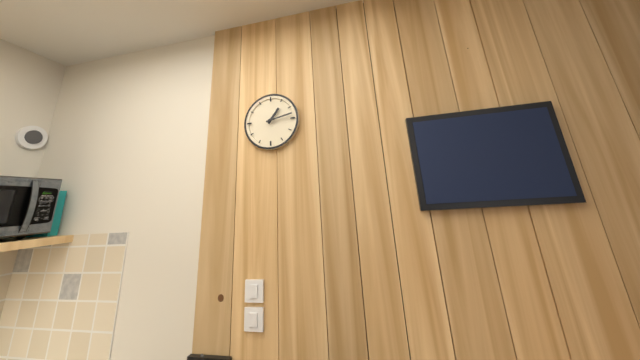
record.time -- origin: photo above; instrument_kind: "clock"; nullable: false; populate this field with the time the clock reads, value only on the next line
1:13
